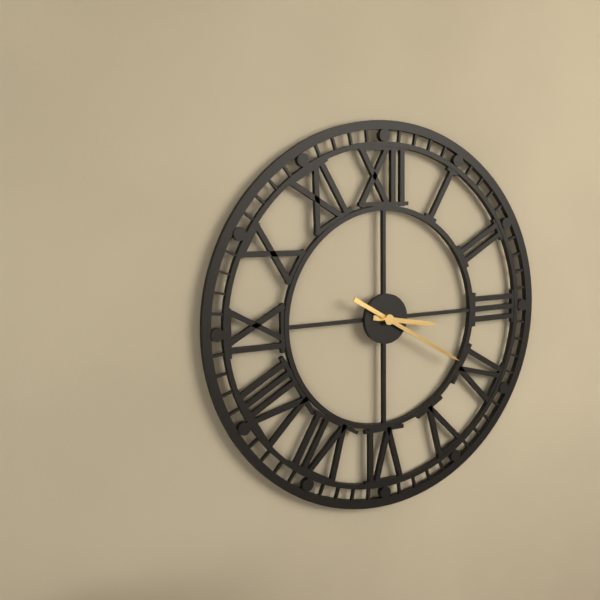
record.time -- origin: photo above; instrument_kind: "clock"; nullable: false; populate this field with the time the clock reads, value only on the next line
3:20
